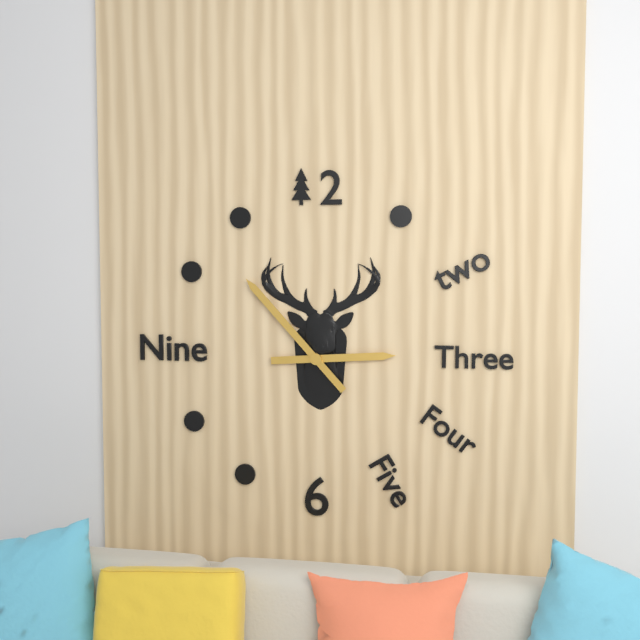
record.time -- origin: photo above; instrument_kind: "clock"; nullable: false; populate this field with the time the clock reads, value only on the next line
2:53
